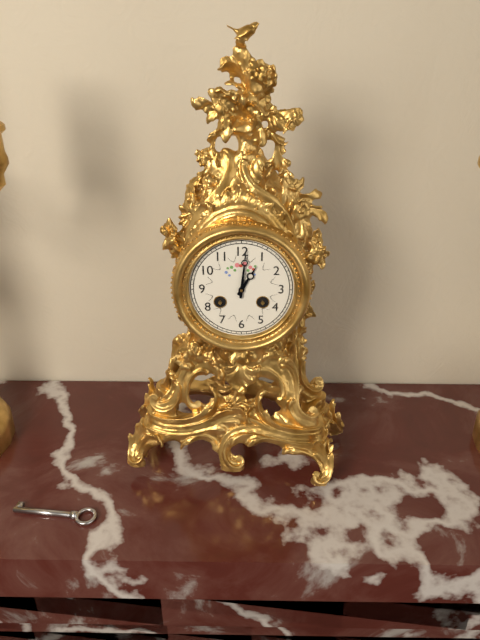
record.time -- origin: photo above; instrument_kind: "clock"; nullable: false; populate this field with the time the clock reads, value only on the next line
1:01
